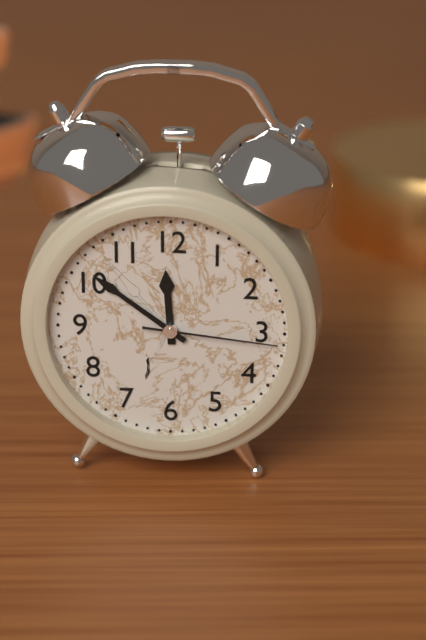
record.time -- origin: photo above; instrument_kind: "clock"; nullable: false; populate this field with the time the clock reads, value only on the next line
11:51:16
